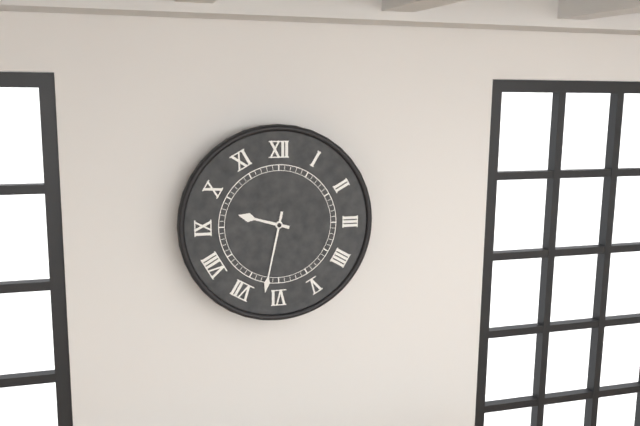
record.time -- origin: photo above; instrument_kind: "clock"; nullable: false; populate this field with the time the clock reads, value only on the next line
9:32
